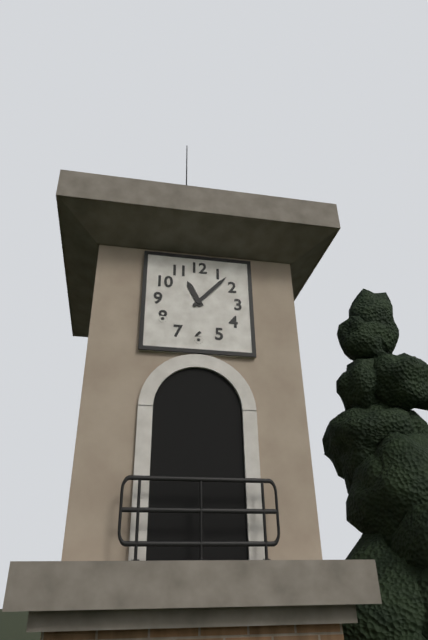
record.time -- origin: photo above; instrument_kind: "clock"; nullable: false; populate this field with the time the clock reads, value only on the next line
11:07
